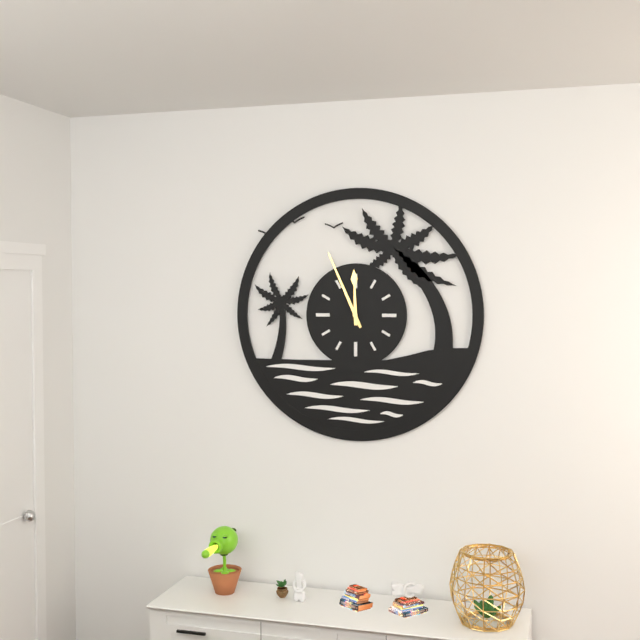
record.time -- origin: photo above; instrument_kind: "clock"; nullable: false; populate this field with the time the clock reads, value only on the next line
11:56
